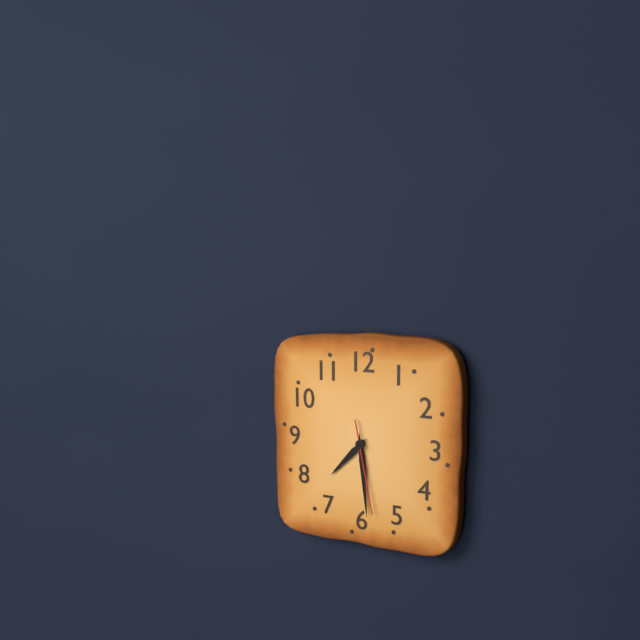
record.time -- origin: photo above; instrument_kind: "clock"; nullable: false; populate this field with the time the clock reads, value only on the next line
7:29:28
